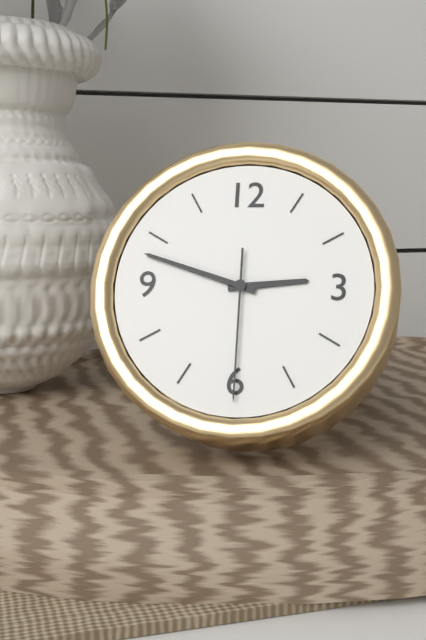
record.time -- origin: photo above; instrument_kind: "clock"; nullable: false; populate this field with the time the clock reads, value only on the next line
2:48:30
